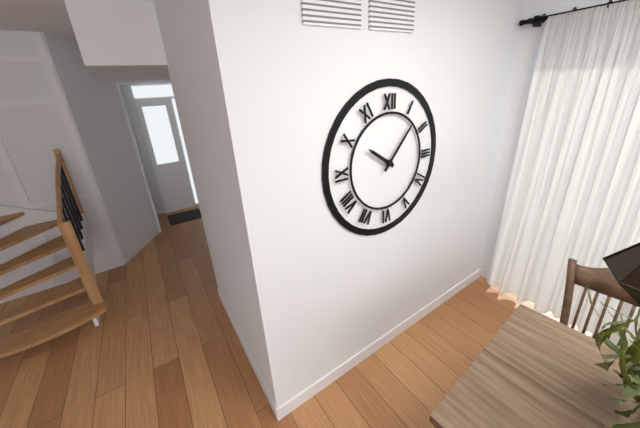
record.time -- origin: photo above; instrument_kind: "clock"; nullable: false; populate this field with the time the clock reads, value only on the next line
10:07
